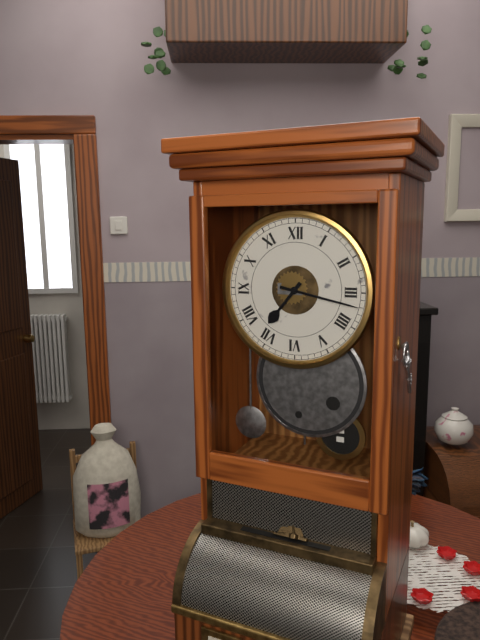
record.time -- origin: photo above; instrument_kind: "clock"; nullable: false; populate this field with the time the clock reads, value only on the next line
7:17
